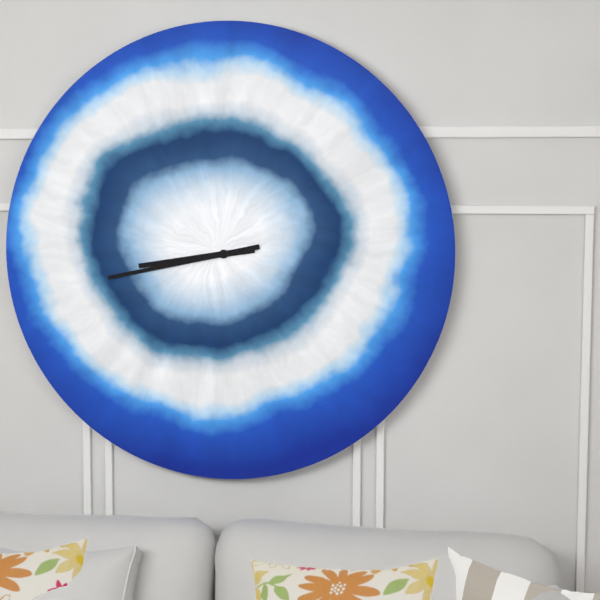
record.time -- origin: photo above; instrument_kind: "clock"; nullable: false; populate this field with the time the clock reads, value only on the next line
8:43
